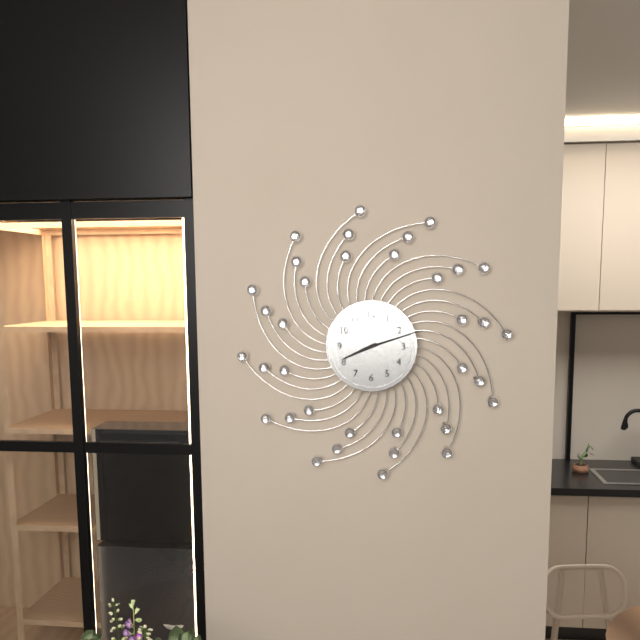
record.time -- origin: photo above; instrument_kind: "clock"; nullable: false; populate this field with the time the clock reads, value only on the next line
8:12
